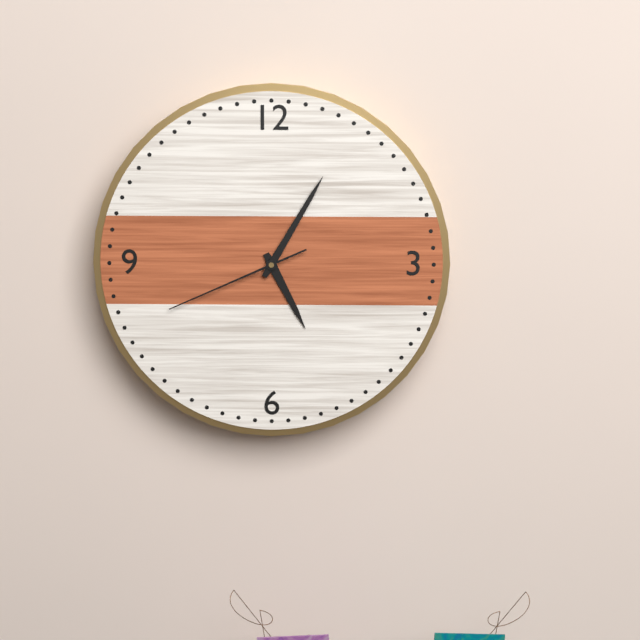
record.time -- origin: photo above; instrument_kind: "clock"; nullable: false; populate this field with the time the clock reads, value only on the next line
5:05:41
